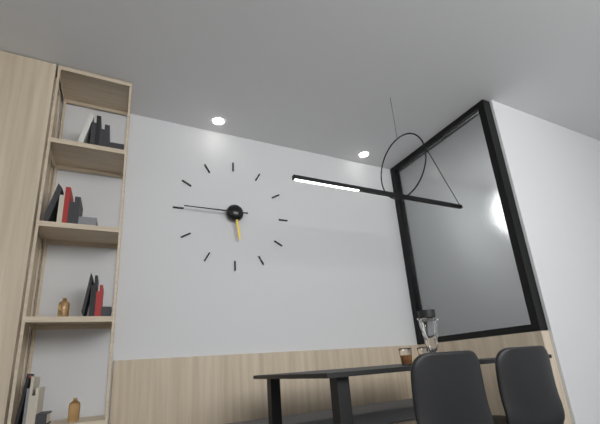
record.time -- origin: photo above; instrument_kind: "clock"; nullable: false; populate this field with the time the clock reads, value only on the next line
5:45
